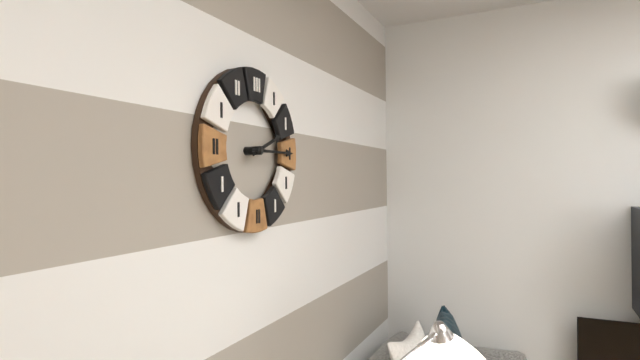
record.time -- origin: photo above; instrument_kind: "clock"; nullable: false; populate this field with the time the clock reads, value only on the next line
2:15
